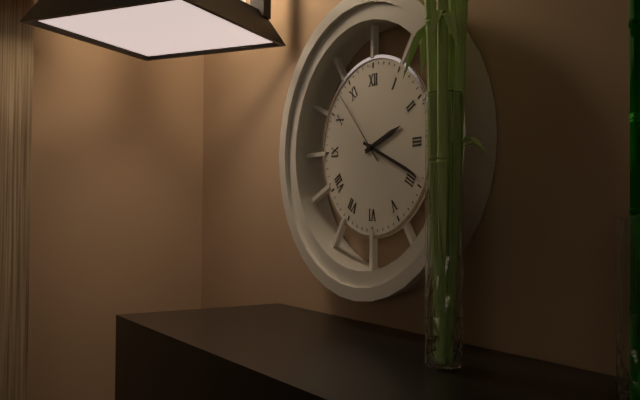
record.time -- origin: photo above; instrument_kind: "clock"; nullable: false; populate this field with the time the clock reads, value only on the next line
2:19:53
